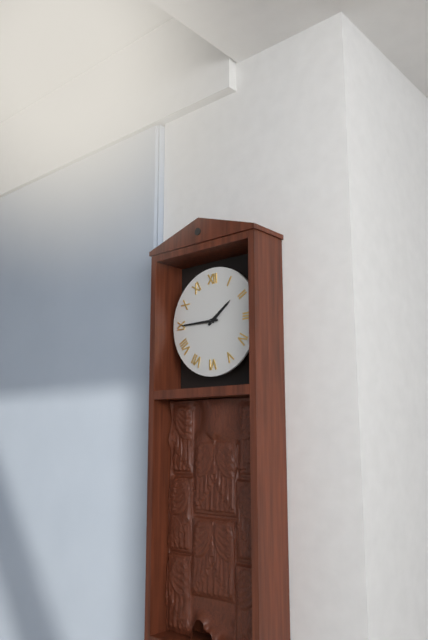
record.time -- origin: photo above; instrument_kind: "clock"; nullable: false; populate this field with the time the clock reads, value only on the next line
1:45
